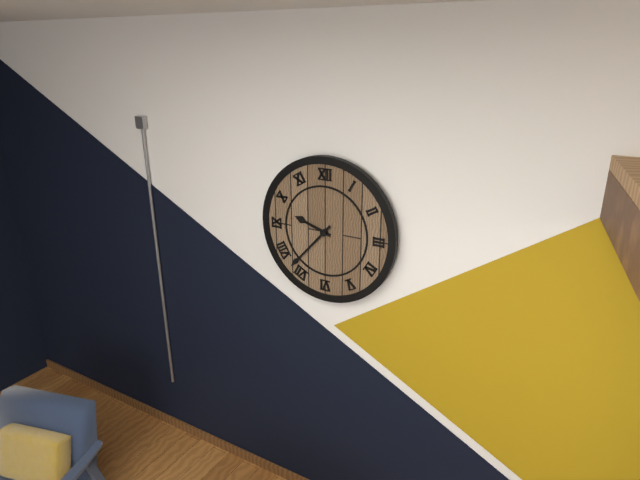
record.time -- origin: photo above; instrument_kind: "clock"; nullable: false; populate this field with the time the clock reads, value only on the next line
9:37
